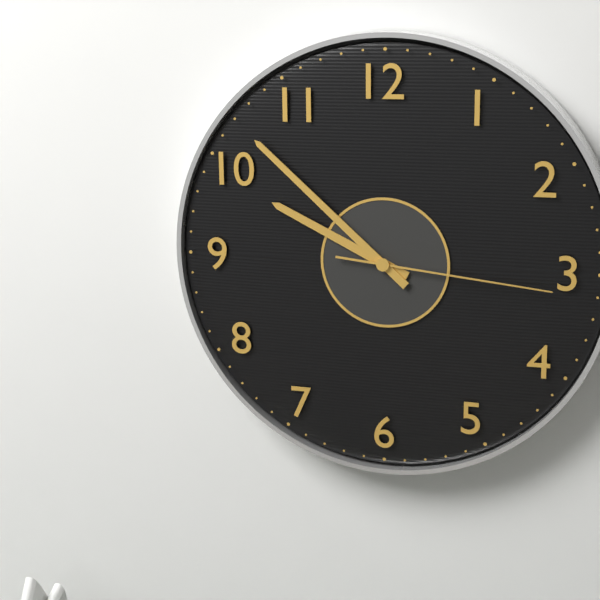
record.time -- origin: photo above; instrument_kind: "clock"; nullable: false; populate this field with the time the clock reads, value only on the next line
9:52:16
